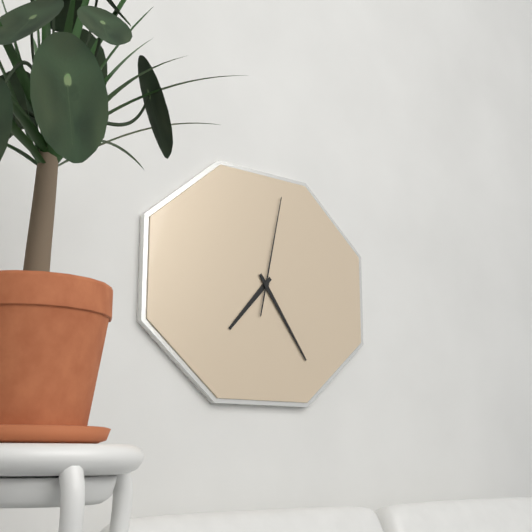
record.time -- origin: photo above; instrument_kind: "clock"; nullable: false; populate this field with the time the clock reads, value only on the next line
7:24:02
